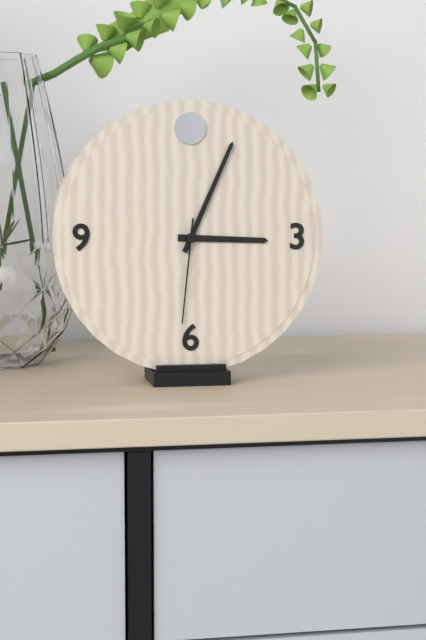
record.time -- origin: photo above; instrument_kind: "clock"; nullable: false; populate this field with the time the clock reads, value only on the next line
3:04:31
